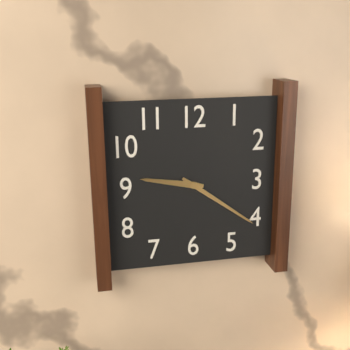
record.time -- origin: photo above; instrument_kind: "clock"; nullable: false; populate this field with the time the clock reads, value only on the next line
9:21
